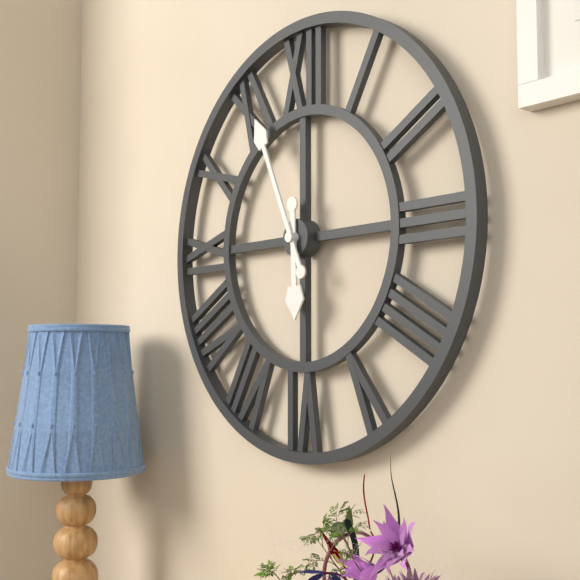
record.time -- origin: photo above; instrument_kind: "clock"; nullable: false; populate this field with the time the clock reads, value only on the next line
5:56
